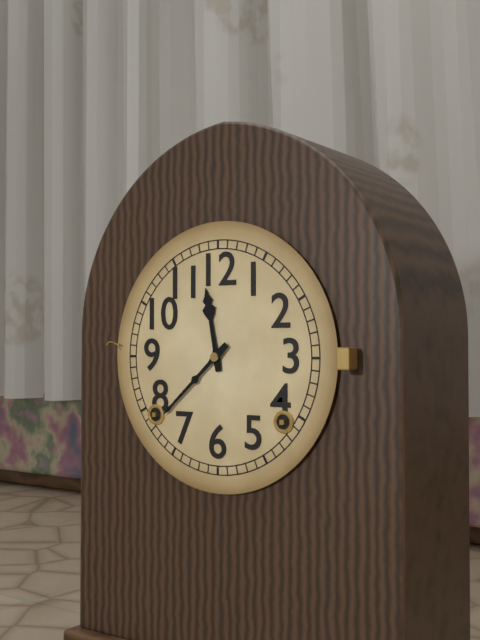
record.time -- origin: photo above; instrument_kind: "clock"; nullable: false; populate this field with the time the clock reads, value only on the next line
11:38
